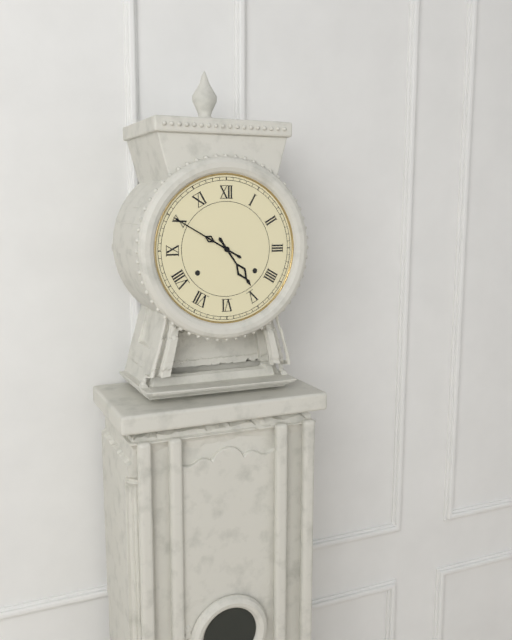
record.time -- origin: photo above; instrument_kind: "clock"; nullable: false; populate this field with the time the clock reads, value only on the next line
4:50
